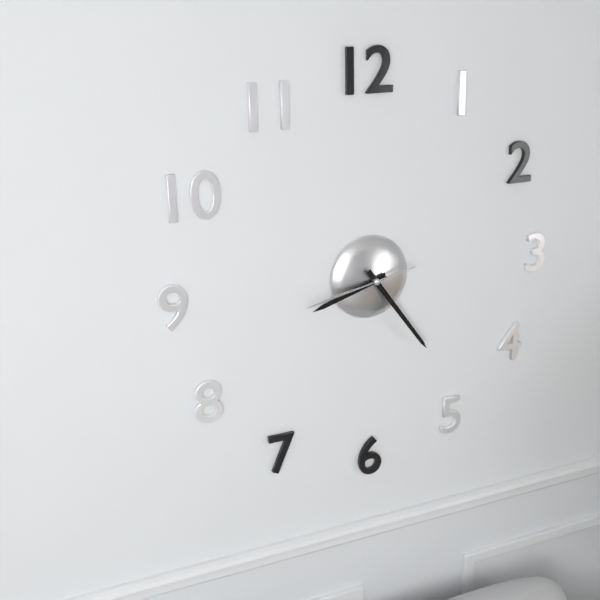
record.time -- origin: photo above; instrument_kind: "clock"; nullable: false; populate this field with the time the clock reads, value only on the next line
8:24:43
